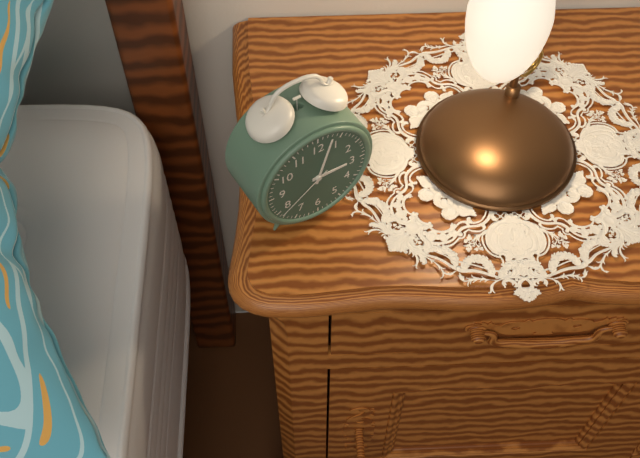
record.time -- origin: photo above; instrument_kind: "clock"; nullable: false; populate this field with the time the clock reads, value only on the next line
3:03:39
